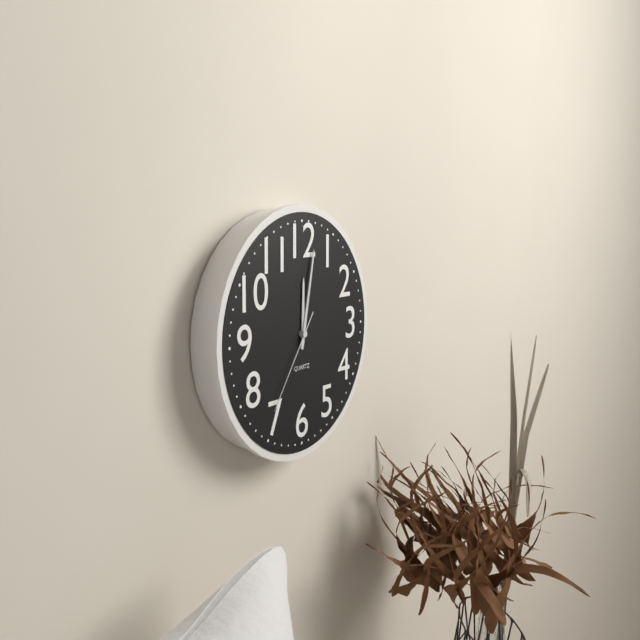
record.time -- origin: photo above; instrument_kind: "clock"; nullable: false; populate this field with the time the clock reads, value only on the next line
12:02:36
